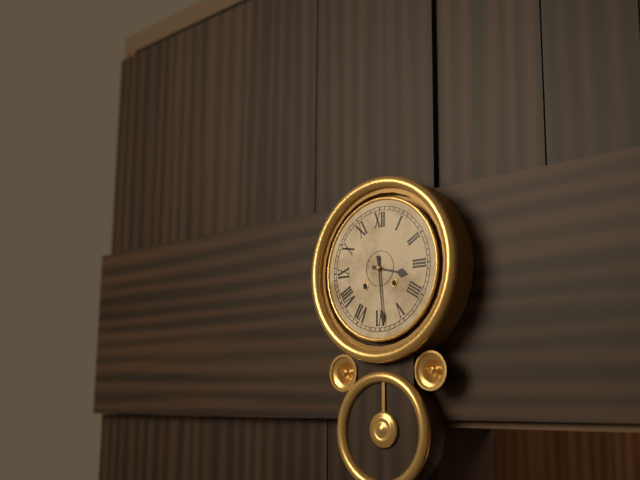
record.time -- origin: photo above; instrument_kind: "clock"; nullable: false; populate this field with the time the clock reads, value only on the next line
3:29
